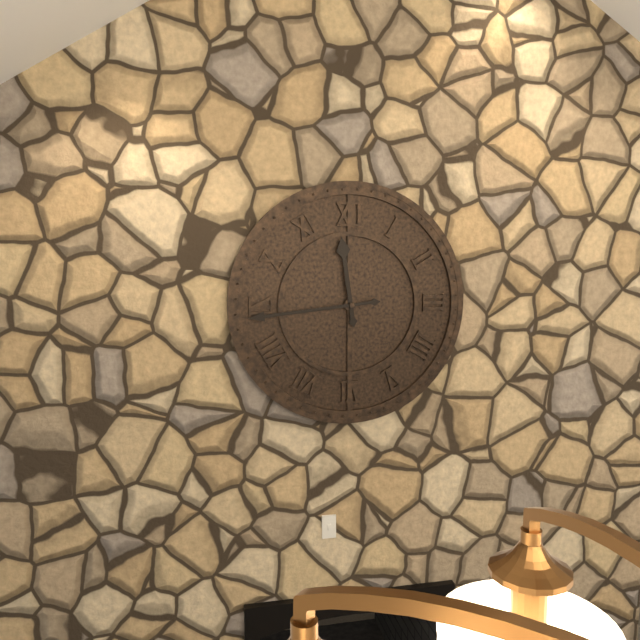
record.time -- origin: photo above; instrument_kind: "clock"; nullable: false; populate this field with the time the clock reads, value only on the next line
11:44
